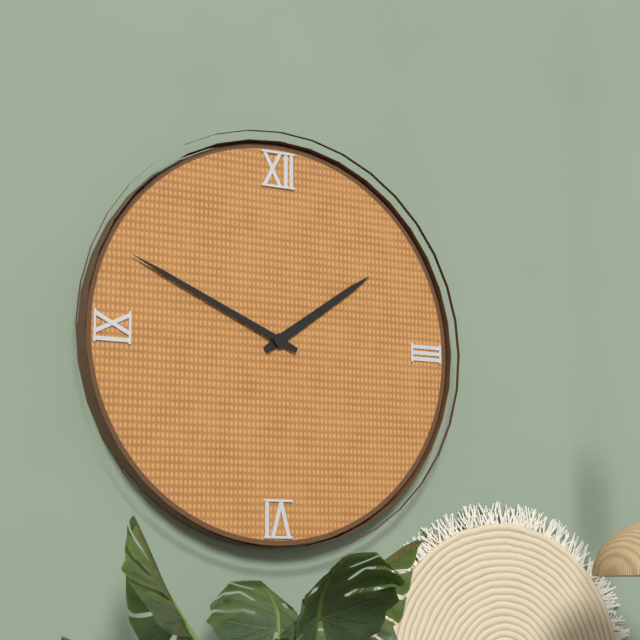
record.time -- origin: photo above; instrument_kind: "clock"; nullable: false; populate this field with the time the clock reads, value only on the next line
1:49
